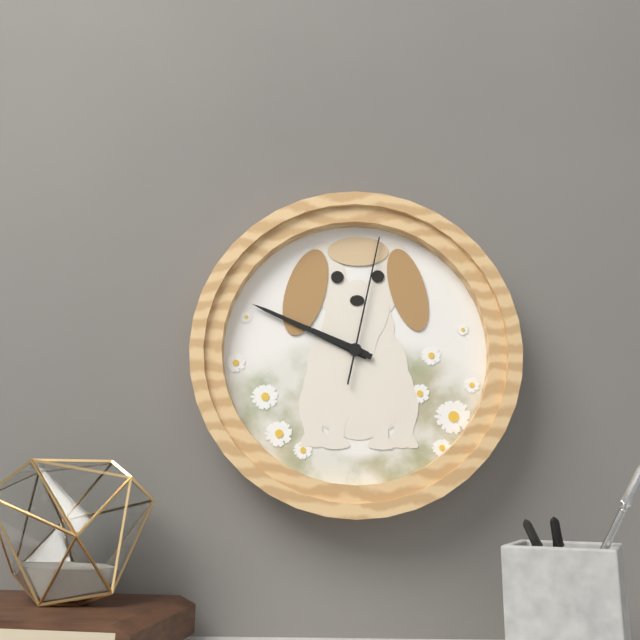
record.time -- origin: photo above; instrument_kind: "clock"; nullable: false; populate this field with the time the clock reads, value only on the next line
9:49:02
